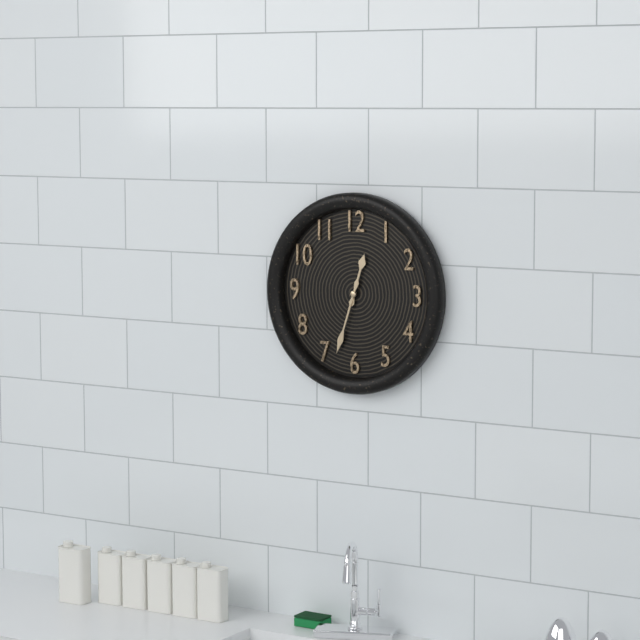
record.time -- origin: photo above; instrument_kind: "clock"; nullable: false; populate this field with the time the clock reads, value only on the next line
12:33
